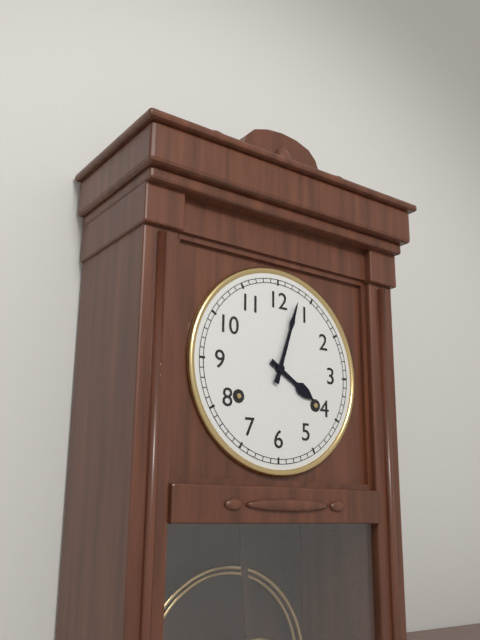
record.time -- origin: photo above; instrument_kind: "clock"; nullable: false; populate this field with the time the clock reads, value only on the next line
4:03
